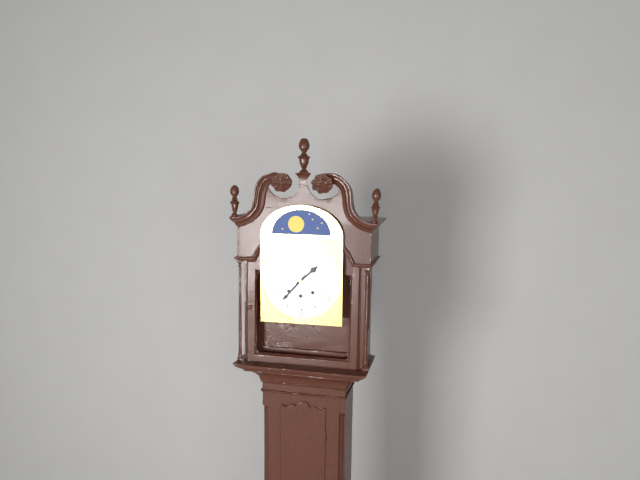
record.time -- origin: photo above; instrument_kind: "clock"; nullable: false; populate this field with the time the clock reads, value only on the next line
1:37
